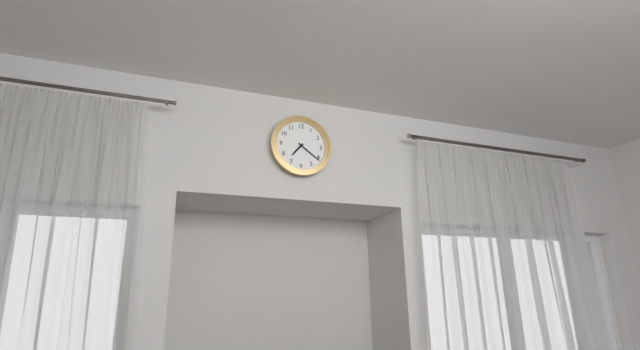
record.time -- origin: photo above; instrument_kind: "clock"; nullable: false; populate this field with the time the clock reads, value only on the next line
7:21
